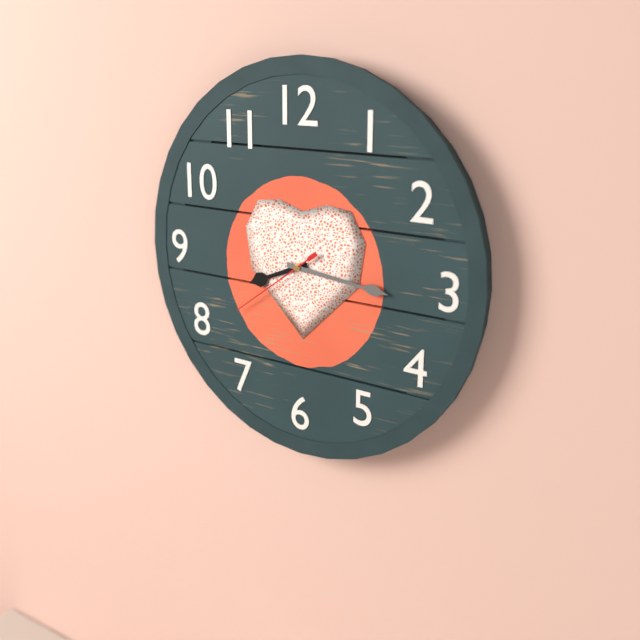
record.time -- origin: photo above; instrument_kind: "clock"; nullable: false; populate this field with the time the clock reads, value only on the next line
8:16:39
